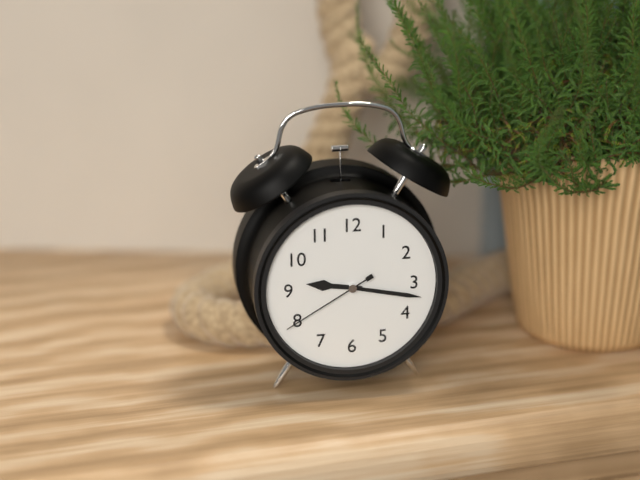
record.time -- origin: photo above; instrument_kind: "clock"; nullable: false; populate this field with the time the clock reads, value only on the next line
9:17:40
